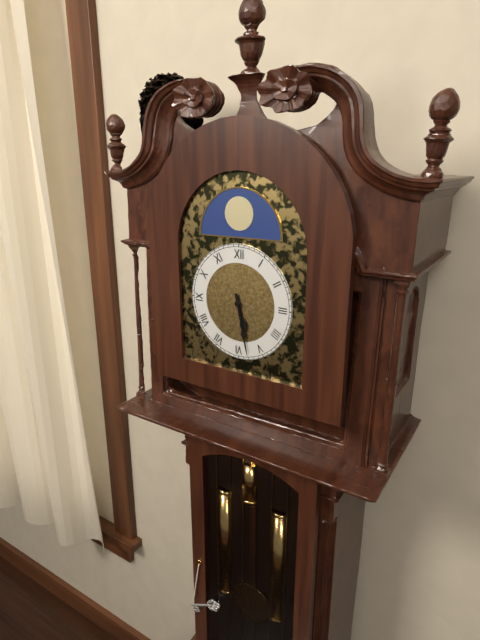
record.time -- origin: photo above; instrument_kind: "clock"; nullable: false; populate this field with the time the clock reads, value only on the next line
5:28
